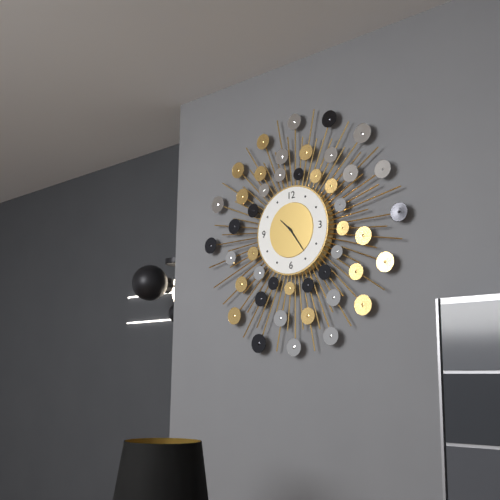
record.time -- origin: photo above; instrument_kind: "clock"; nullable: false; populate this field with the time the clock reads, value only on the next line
10:24
